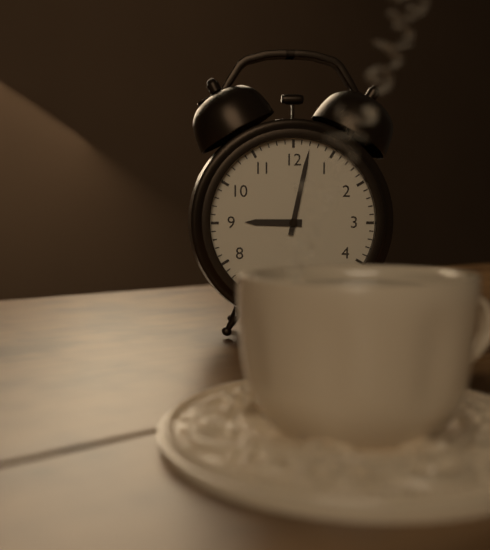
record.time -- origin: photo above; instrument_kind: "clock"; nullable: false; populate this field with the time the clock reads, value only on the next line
9:02
